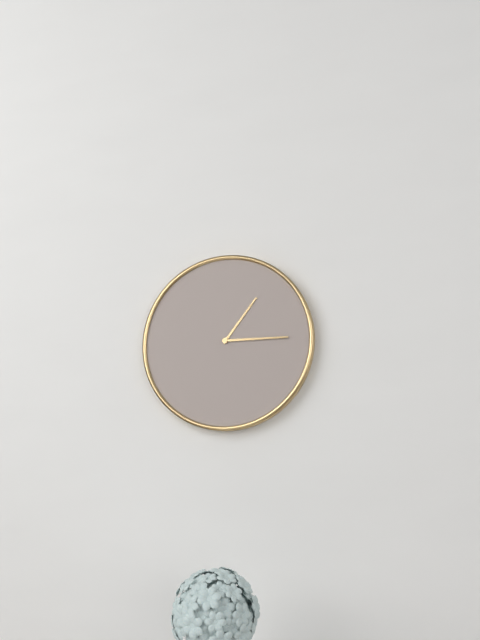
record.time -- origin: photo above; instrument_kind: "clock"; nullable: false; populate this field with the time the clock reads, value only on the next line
1:15
